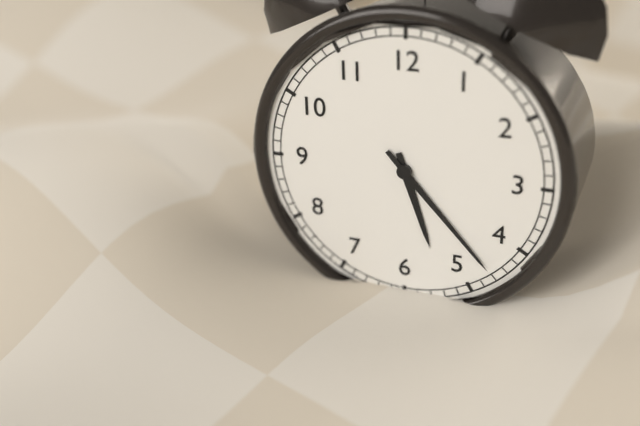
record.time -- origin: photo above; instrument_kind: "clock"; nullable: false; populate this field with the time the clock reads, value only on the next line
5:23
